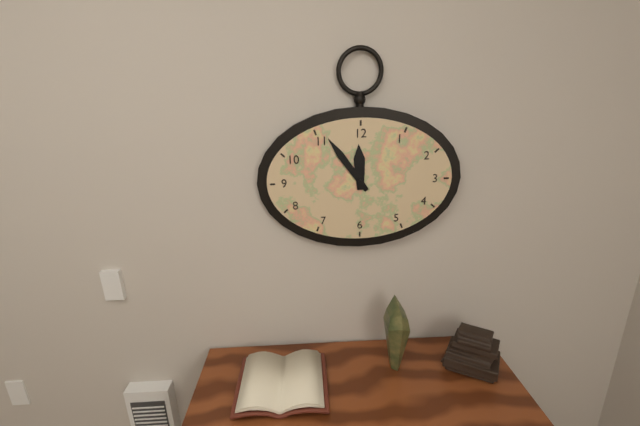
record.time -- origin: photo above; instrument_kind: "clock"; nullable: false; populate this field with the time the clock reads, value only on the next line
11:54
